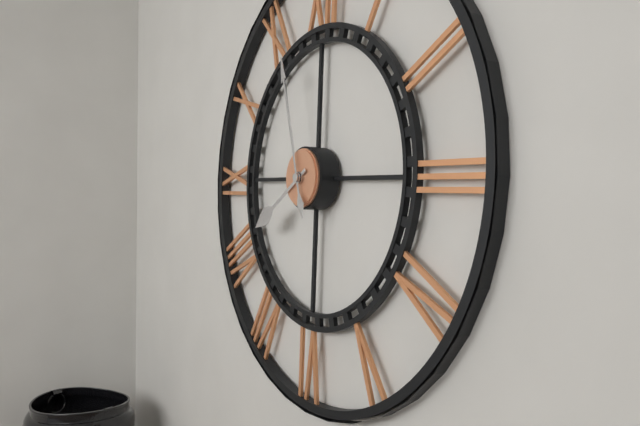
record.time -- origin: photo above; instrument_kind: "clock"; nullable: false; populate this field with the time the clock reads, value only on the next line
7:57
